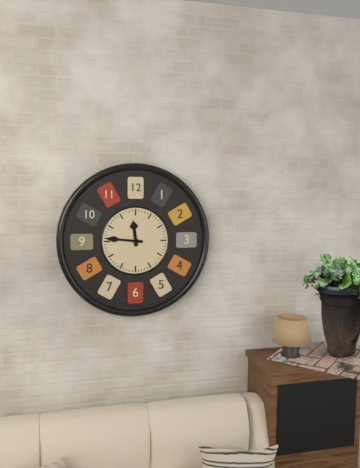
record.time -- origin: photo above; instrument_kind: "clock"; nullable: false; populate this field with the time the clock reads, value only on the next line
11:46
